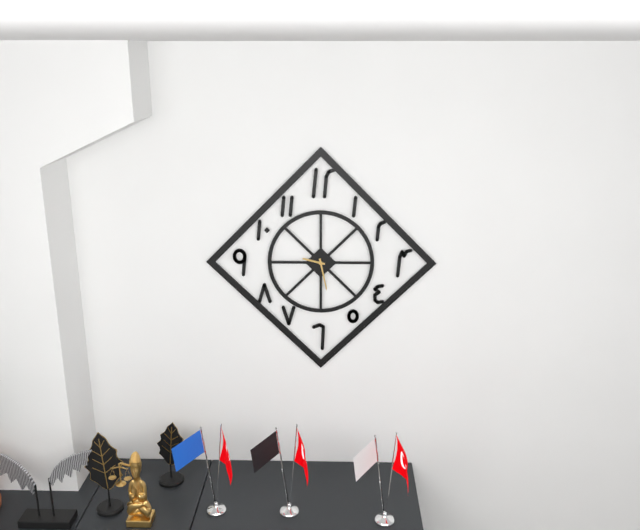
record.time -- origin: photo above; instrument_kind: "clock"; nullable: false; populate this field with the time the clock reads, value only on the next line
9:28
